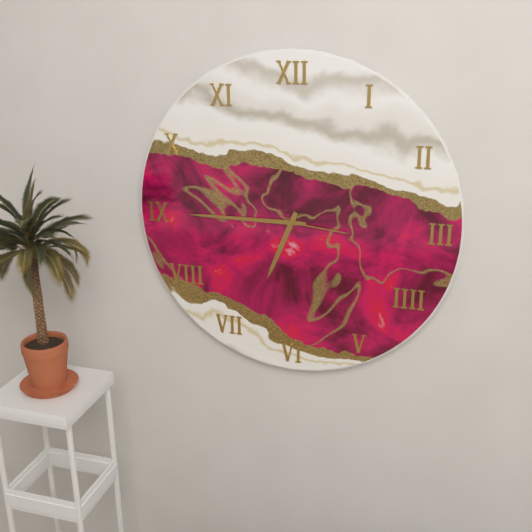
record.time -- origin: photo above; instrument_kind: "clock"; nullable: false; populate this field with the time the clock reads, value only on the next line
6:45:16
